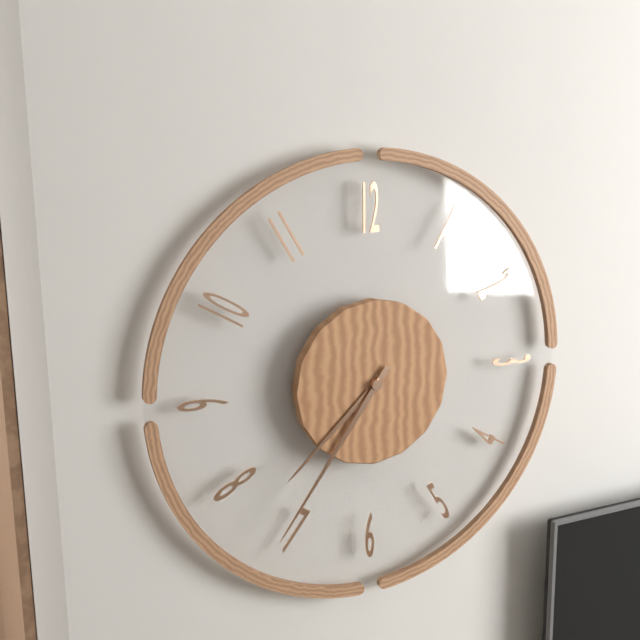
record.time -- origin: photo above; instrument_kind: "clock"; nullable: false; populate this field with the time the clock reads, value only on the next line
7:36
